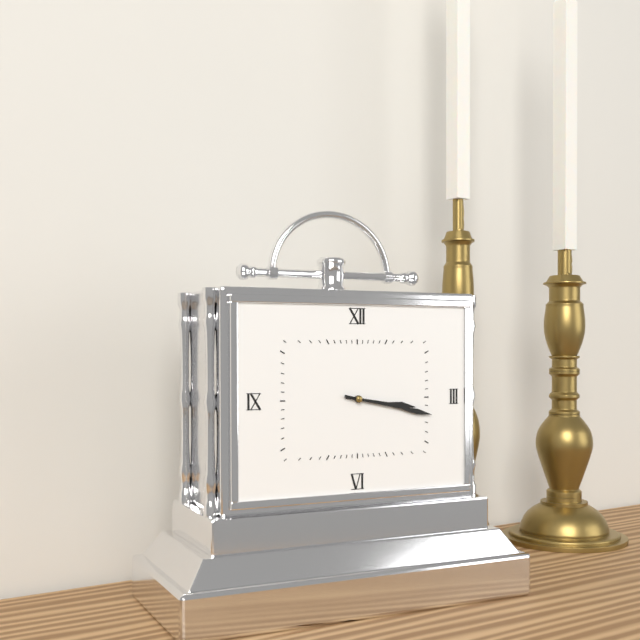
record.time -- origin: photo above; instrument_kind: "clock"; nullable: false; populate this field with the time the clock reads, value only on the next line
3:17
